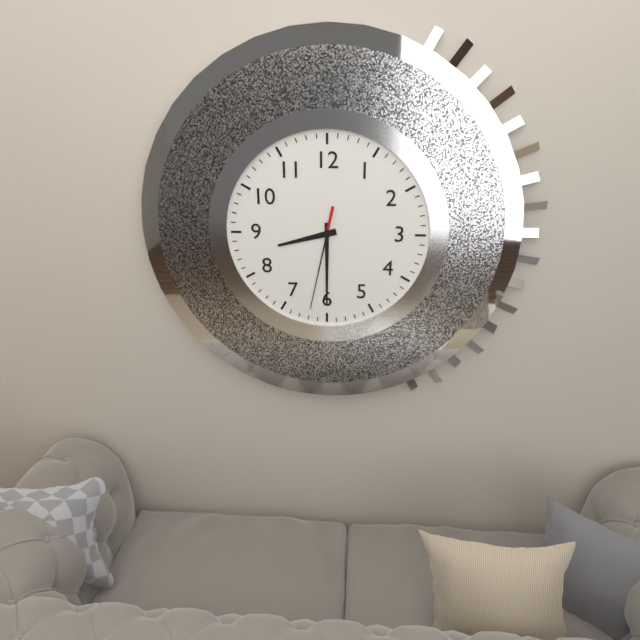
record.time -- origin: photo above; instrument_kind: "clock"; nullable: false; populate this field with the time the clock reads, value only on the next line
8:30:32
